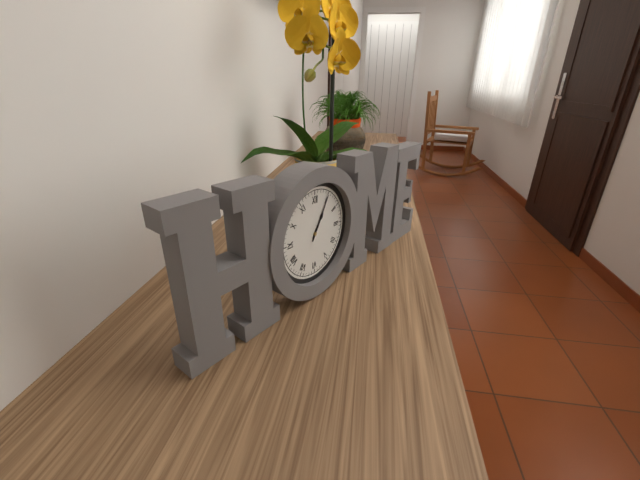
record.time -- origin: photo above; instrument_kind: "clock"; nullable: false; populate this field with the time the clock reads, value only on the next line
1:05
